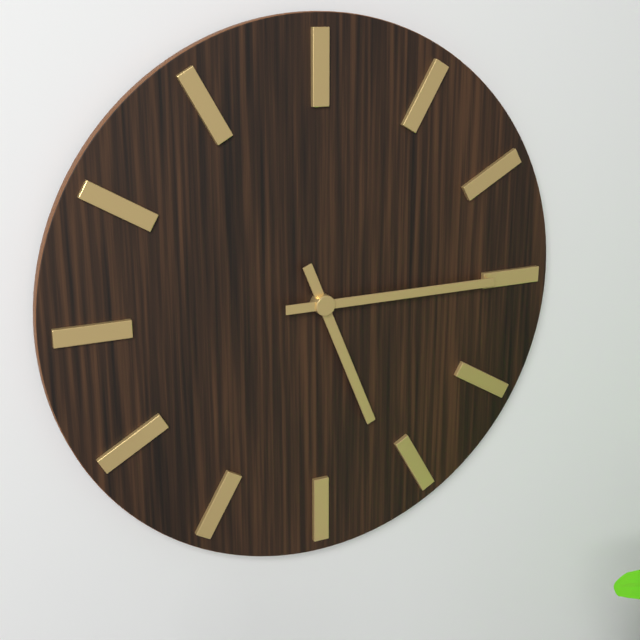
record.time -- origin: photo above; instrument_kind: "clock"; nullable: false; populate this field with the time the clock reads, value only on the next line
5:15
